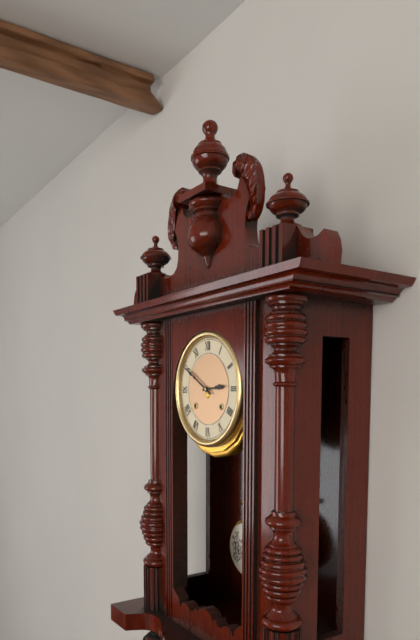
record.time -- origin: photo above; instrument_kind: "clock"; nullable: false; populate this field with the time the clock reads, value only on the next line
2:50
